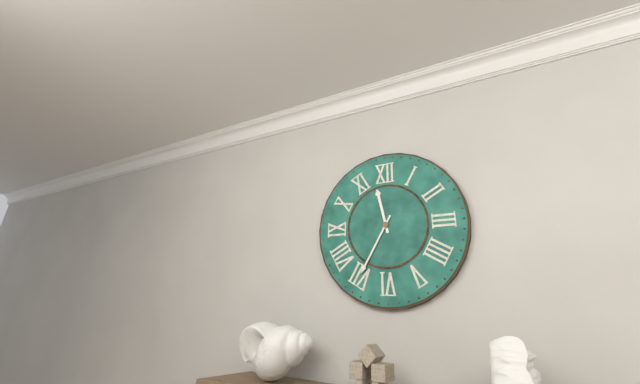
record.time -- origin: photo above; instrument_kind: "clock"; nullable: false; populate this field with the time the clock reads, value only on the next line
11:35
